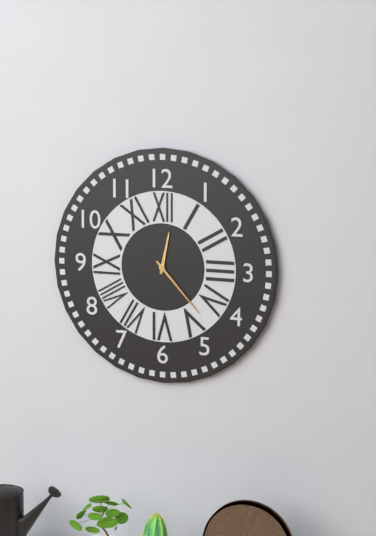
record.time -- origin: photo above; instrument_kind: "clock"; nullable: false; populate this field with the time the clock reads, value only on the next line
12:23
